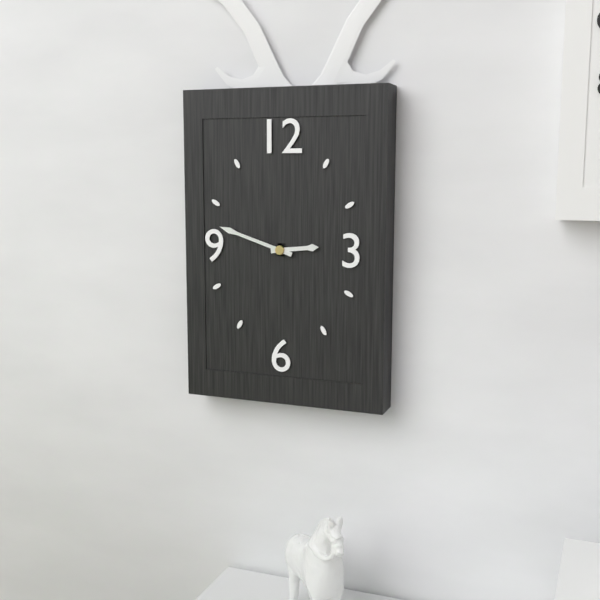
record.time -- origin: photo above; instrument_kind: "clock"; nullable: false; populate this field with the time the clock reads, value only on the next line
2:48
